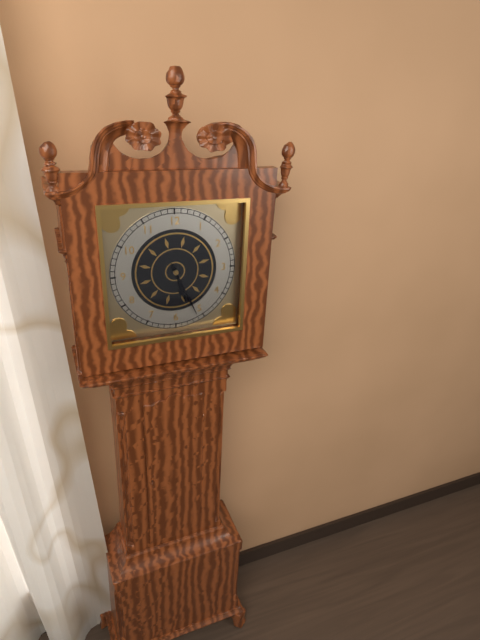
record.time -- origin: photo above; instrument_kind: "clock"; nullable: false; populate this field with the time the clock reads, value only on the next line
5:26
